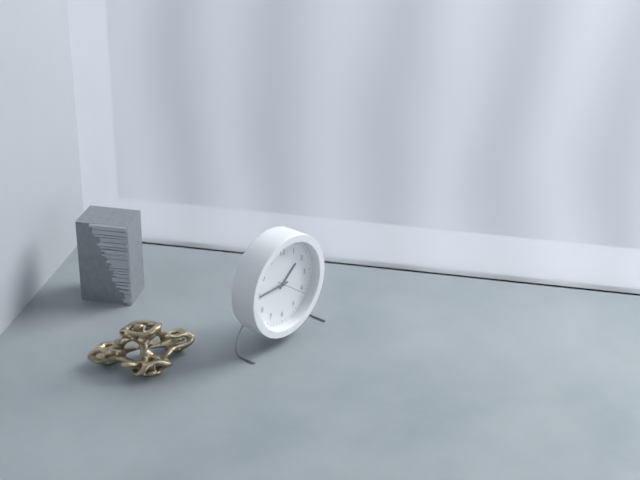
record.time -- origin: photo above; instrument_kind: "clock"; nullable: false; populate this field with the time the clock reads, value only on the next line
1:45
